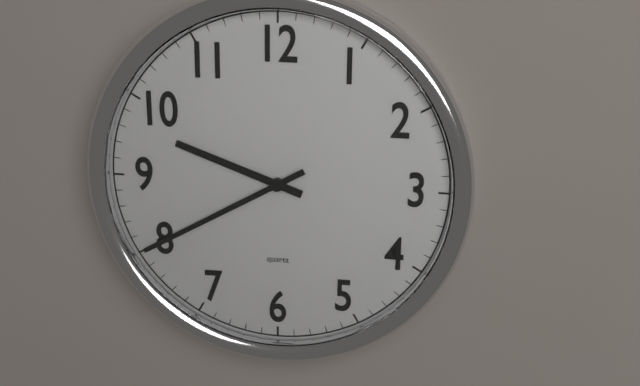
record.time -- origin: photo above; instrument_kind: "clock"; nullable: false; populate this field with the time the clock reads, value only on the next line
9:40
